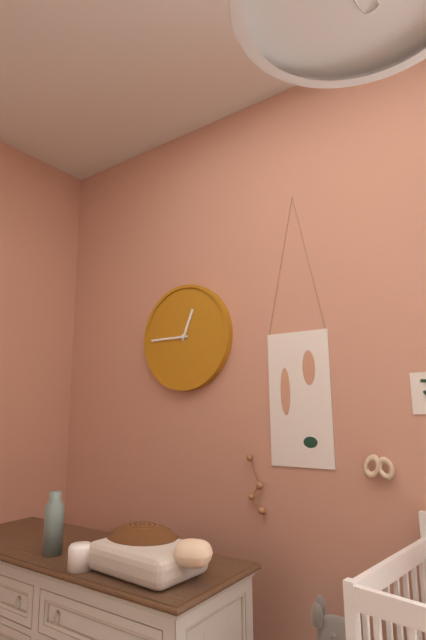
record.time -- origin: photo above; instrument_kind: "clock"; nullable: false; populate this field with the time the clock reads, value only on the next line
12:45
